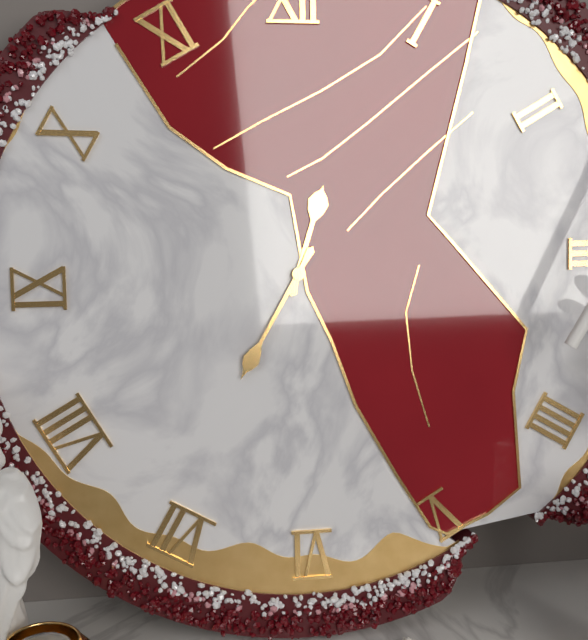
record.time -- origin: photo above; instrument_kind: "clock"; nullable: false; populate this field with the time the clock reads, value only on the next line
12:35
